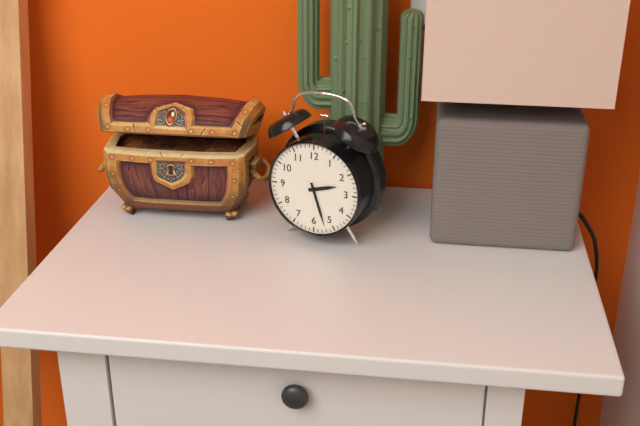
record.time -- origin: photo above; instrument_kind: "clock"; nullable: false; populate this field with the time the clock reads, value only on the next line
2:27
